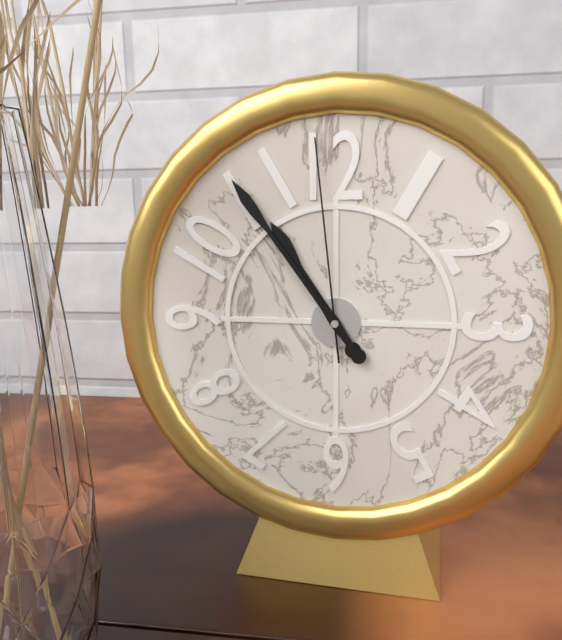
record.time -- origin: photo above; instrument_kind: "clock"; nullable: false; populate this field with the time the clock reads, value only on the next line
10:54:59
